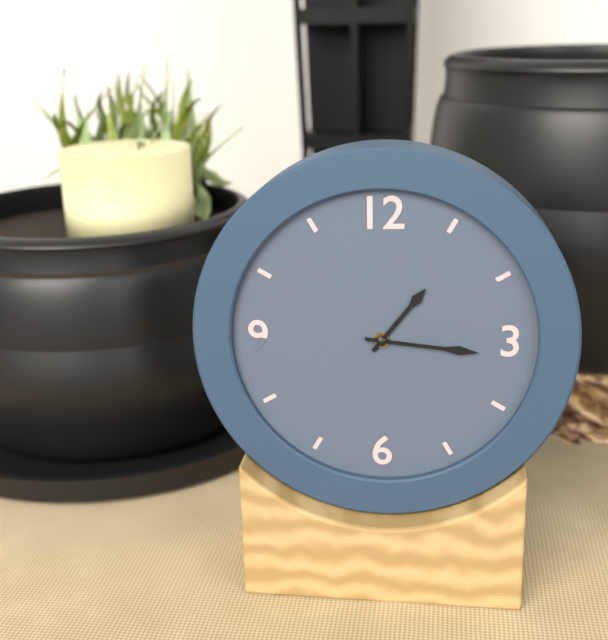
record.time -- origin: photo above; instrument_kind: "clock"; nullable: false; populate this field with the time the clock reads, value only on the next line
1:16
